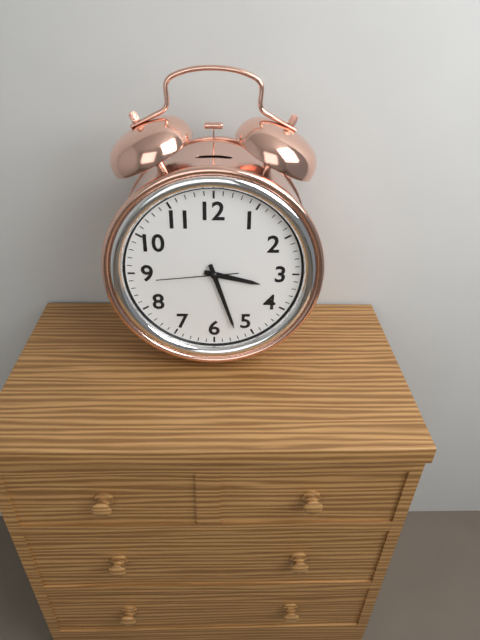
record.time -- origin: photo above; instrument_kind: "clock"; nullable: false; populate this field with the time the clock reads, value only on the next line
3:27:44
